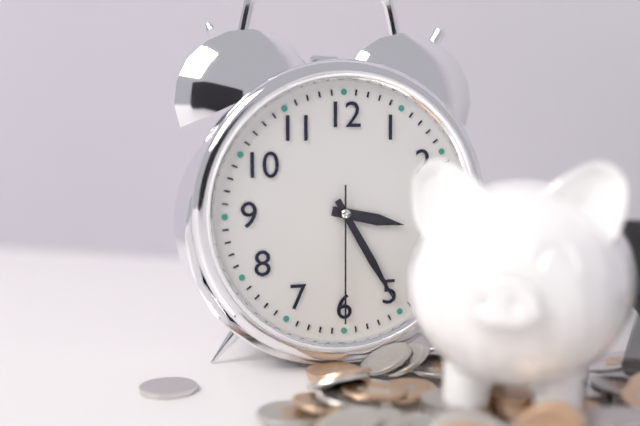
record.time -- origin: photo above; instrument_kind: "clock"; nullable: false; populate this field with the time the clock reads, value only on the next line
3:25:30
